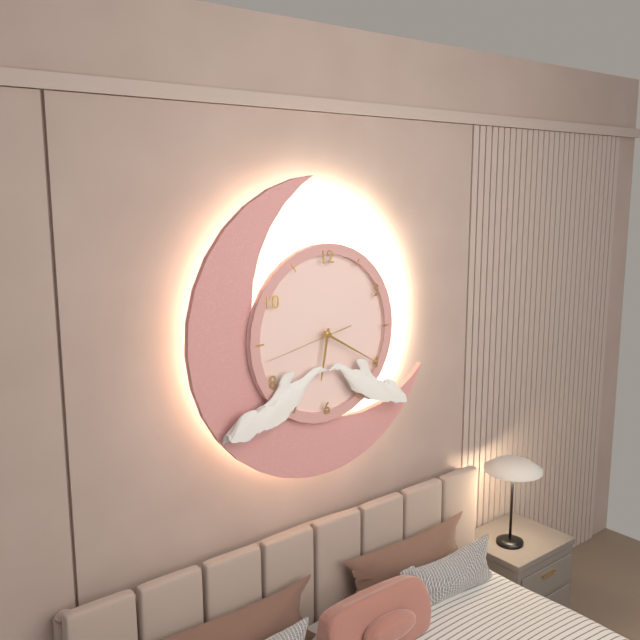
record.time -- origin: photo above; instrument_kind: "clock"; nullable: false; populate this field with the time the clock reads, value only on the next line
6:20:43
